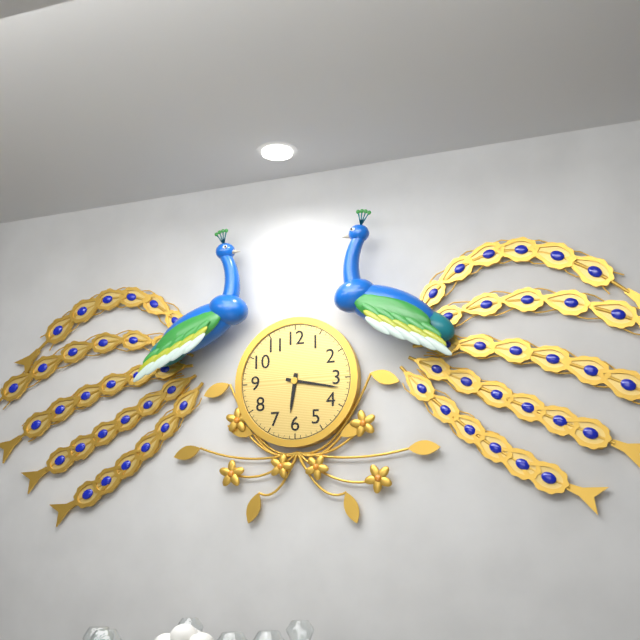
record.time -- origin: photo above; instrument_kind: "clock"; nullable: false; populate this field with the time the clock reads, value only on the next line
6:17
